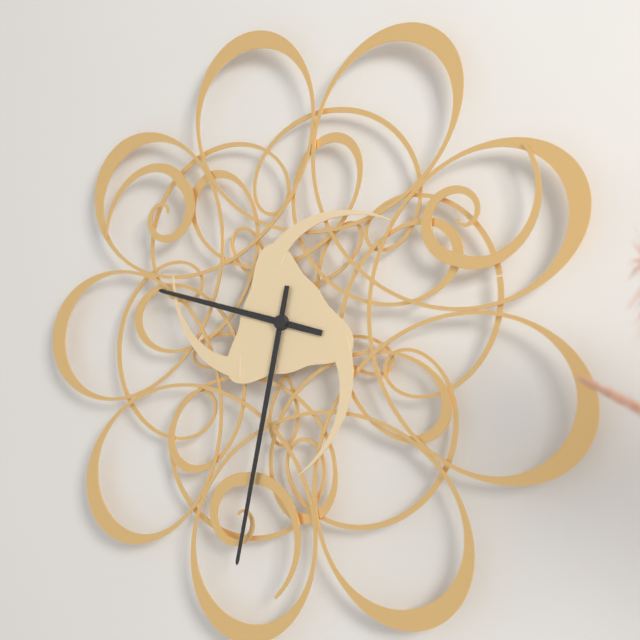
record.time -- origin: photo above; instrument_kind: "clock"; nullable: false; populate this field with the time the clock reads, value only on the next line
9:32
